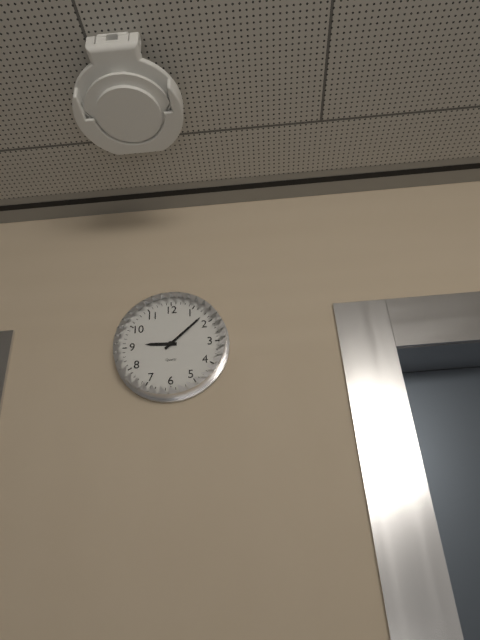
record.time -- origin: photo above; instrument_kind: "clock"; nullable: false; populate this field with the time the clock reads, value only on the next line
9:08
